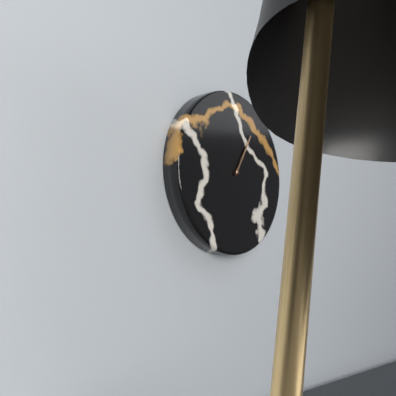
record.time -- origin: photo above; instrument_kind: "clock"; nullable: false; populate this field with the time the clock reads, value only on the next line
1:05
